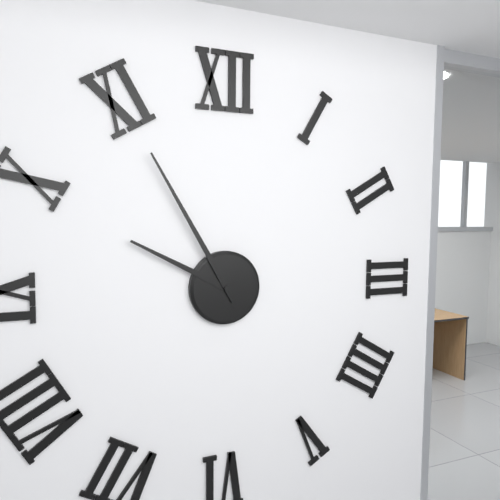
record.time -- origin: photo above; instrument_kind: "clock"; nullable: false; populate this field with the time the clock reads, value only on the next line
9:55
